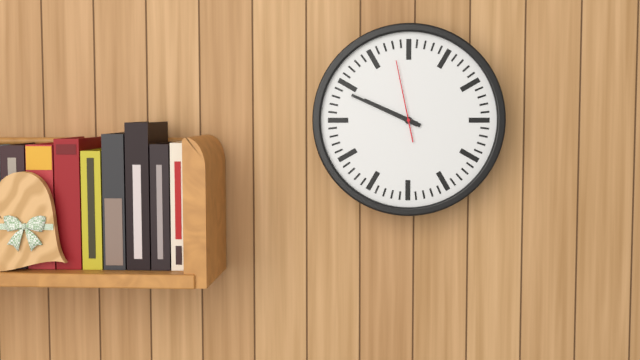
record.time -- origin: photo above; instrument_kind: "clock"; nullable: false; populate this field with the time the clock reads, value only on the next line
9:49:58
